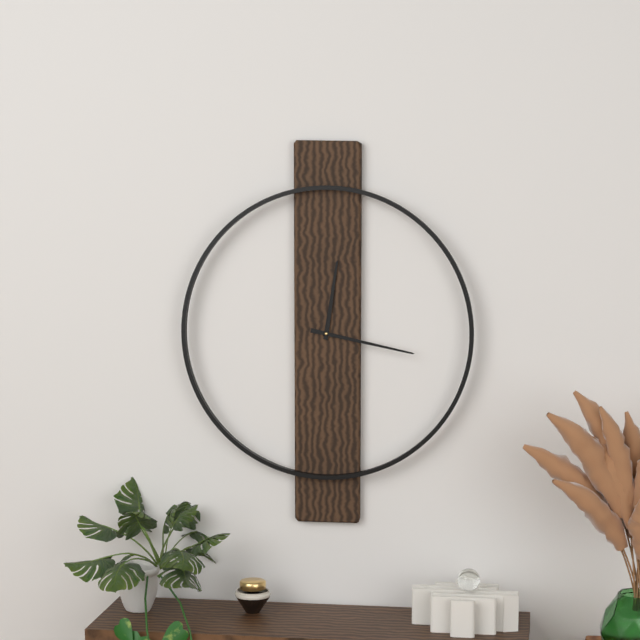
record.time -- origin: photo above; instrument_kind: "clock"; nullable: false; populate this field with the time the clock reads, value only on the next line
12:17
